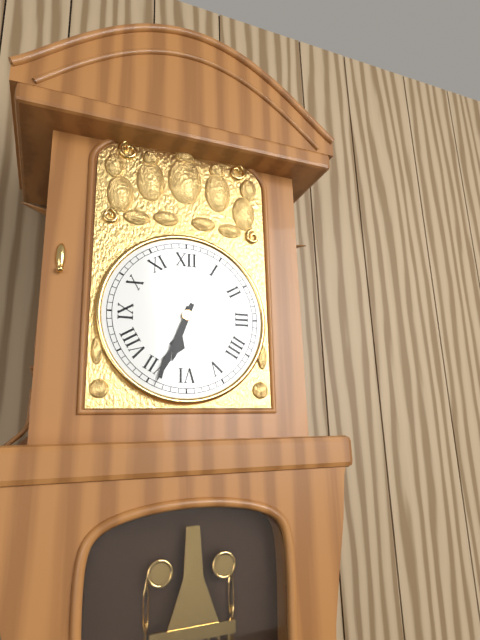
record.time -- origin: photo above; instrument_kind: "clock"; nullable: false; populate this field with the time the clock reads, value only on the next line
6:34
